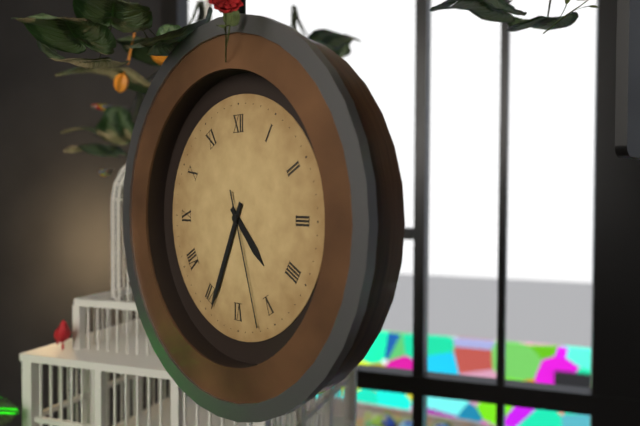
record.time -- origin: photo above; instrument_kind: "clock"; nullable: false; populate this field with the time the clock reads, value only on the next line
4:34:27
